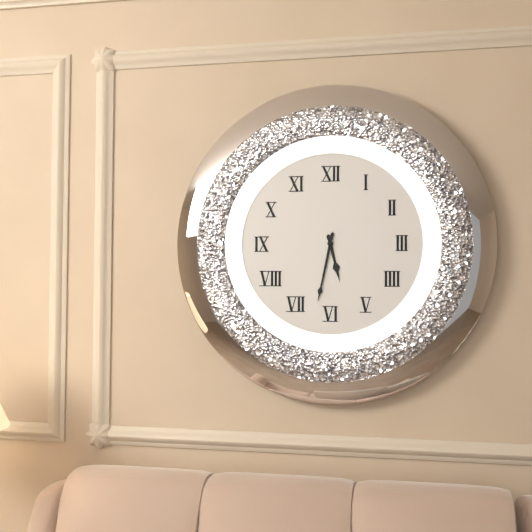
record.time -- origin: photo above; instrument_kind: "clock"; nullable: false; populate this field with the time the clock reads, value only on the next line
5:32
